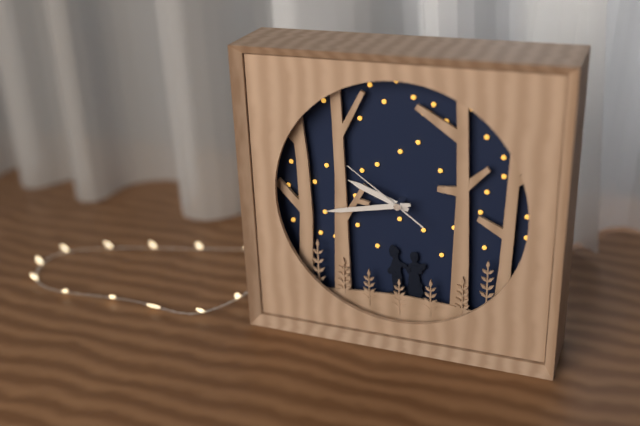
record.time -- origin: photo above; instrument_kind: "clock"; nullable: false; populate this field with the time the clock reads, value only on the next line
9:43:51
